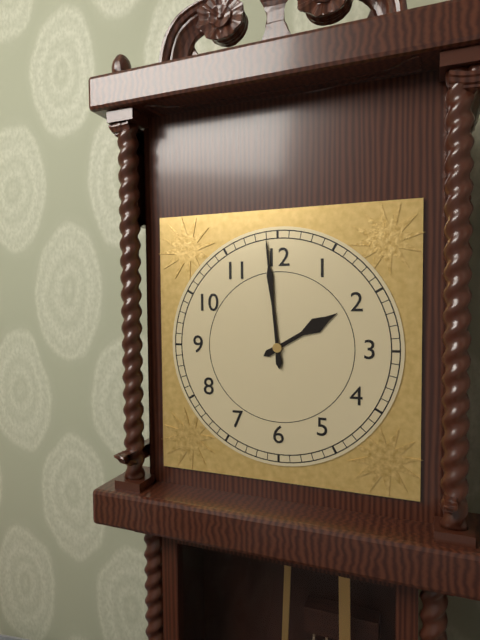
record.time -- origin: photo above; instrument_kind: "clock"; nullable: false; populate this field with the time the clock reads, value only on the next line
1:59
